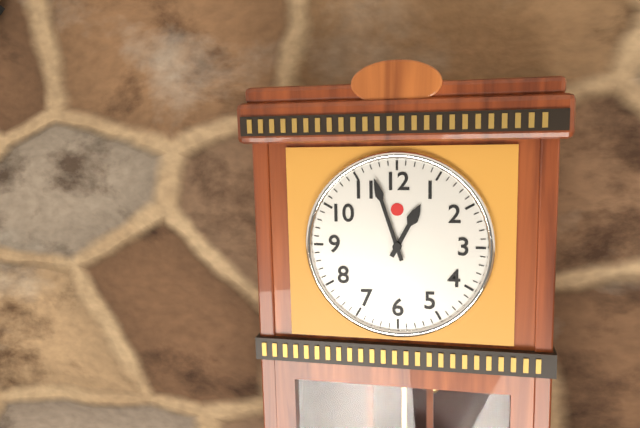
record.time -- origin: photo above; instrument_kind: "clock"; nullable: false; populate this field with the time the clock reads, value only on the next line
12:57
